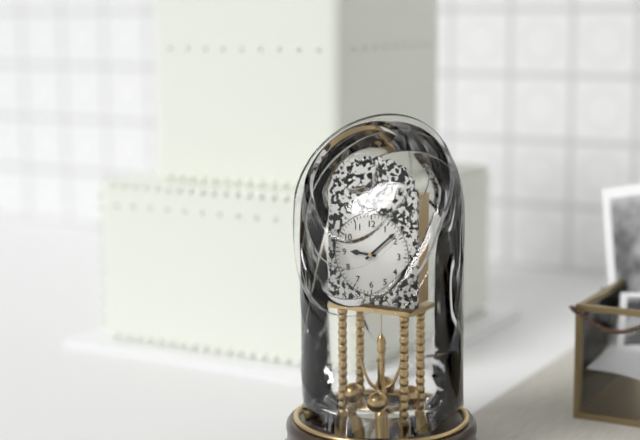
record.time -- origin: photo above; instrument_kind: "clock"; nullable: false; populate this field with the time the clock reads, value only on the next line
9:08
